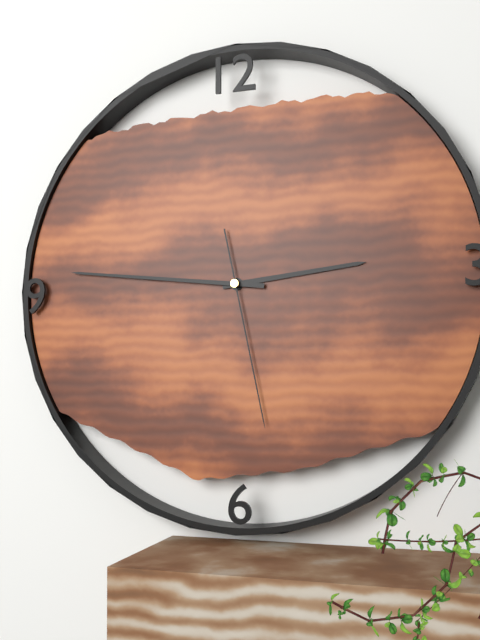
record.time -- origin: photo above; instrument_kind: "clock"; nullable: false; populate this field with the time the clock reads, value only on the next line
2:46:28
